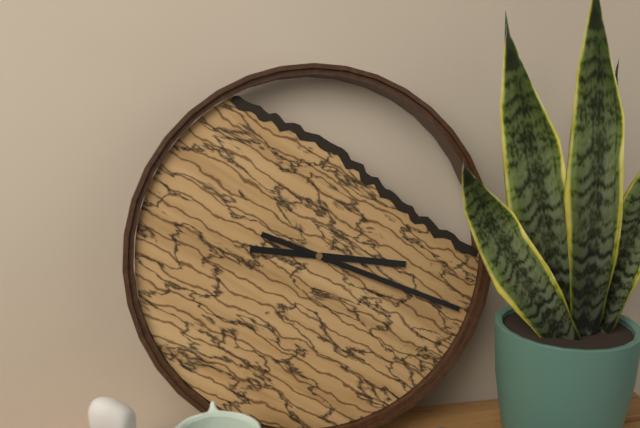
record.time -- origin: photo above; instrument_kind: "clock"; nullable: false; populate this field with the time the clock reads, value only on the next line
3:19
